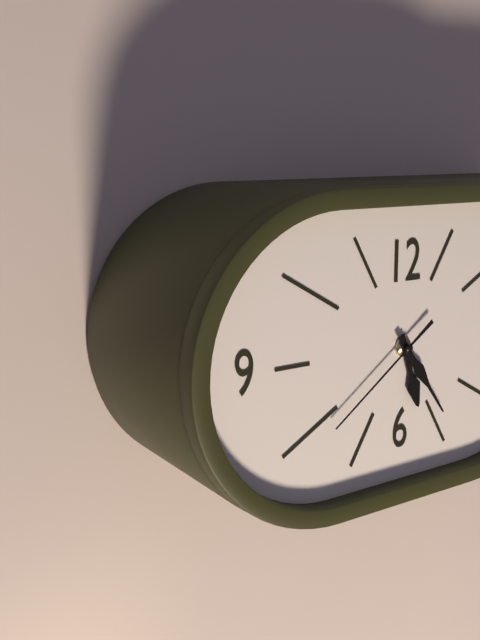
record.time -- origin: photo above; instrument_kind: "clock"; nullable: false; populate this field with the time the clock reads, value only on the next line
5:24:39
